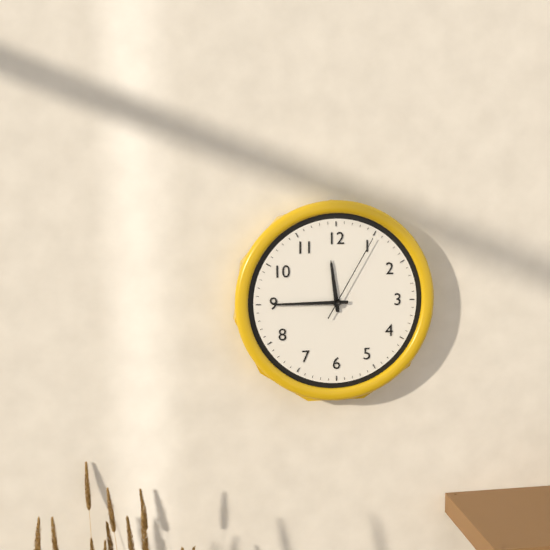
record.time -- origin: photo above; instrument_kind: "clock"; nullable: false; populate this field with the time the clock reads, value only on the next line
11:45:05
